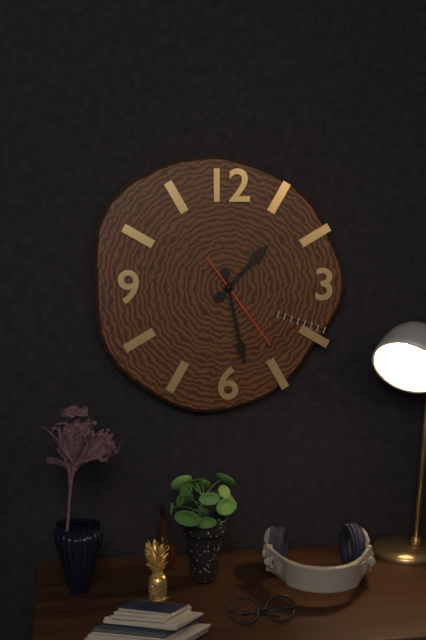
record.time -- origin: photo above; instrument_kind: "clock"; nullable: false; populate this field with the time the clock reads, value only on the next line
1:28:24
